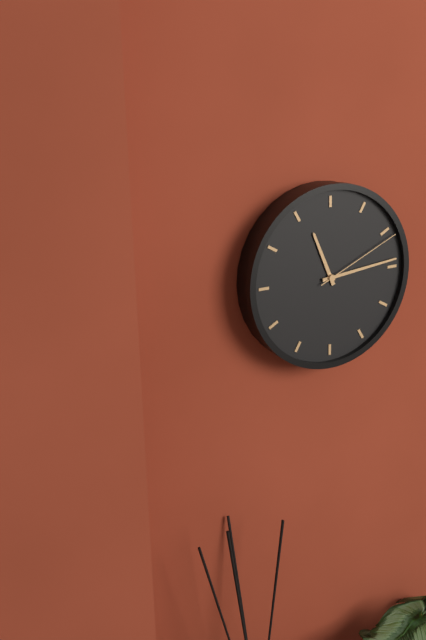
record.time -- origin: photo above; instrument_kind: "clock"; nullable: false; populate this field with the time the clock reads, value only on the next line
11:14:11
